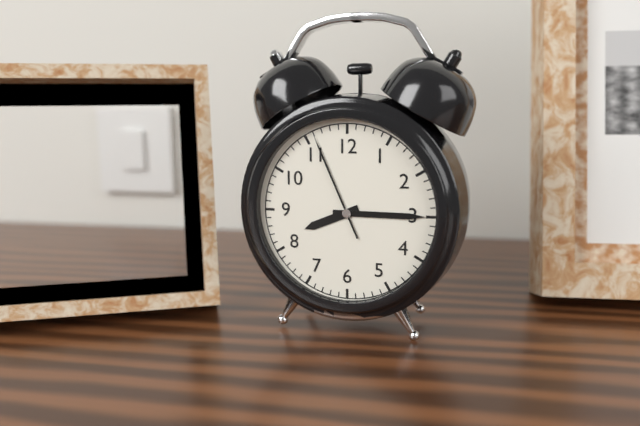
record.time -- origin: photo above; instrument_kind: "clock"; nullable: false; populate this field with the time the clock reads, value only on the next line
8:15:56
